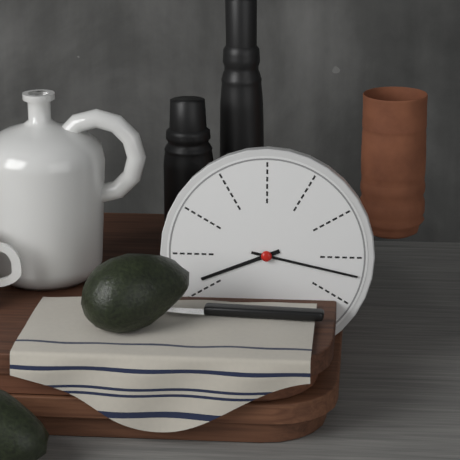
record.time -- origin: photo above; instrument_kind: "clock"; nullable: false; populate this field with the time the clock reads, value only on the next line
8:17
